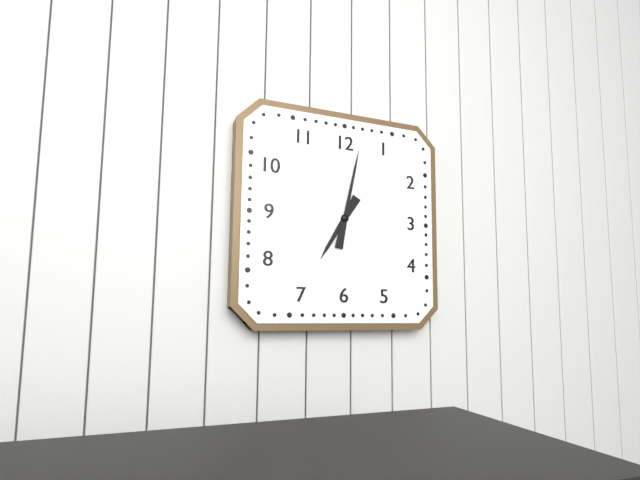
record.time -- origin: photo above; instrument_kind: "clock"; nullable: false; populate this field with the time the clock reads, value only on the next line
7:02
